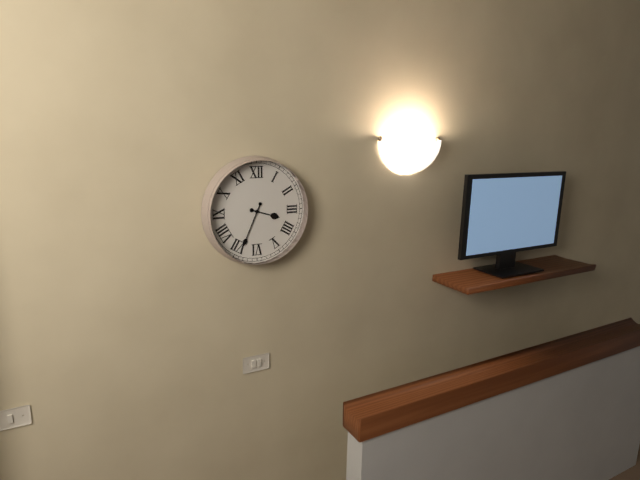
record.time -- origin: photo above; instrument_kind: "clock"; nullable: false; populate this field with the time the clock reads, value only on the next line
3:34
